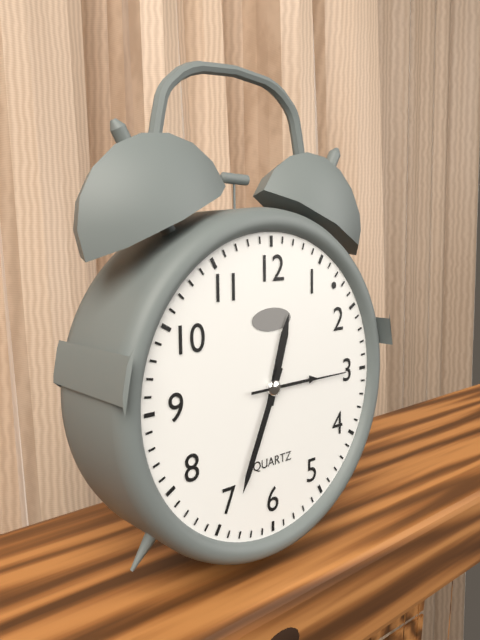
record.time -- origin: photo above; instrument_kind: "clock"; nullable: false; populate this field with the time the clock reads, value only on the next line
12:34:15
